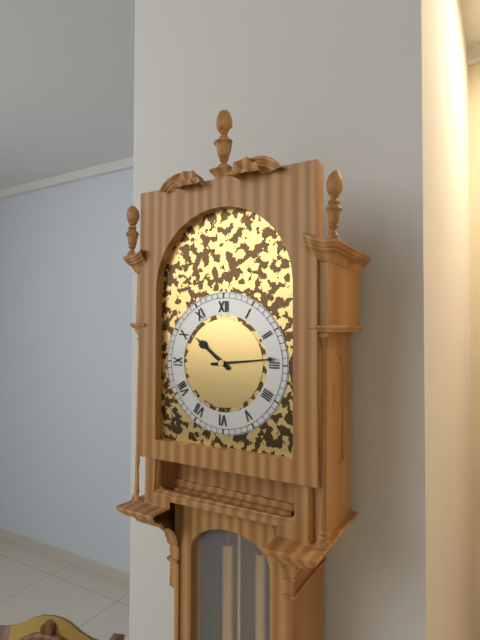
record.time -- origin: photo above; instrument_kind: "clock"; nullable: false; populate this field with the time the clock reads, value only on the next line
10:14
